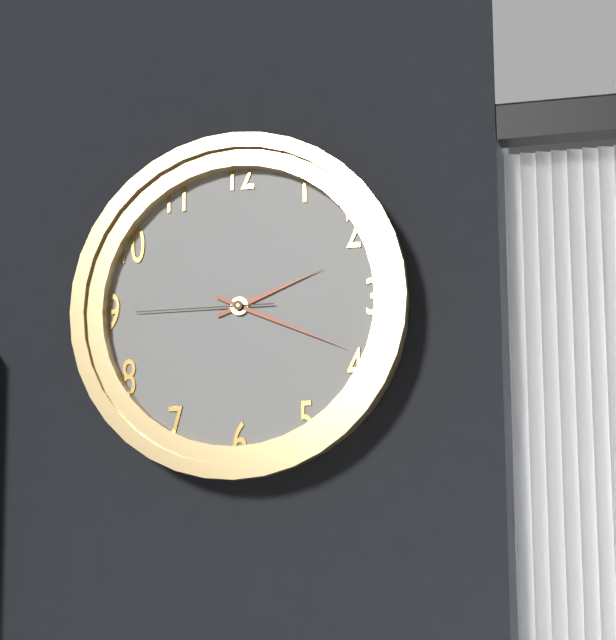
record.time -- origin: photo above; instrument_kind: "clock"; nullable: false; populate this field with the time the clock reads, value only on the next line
2:19:45
